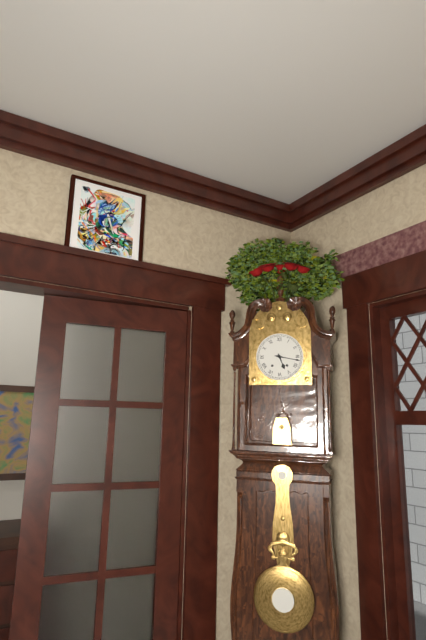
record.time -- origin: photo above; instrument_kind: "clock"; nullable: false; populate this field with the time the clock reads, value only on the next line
5:17
